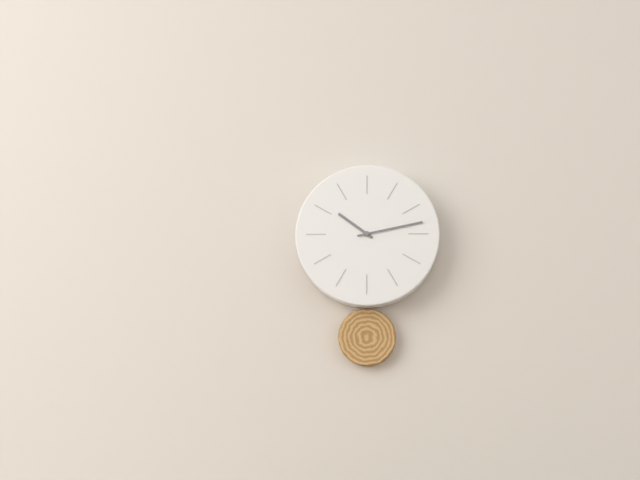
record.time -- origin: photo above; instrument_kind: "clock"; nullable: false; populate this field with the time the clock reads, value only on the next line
10:13
